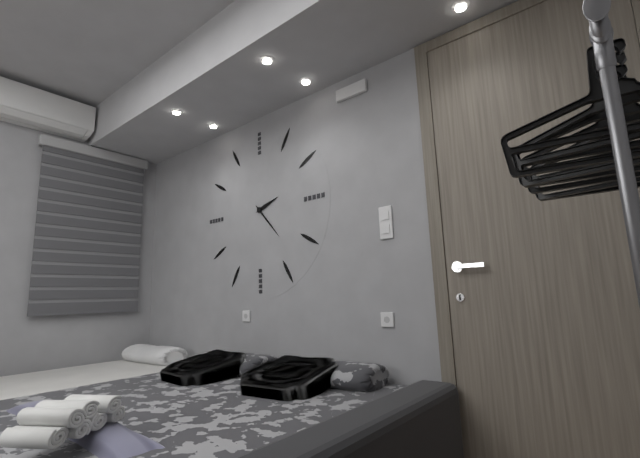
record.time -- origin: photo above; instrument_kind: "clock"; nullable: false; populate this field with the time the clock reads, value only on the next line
2:23
